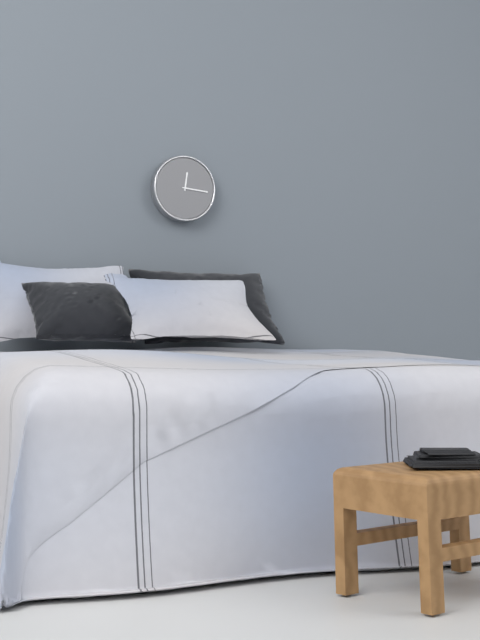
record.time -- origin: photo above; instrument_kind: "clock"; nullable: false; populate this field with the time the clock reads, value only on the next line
12:16
